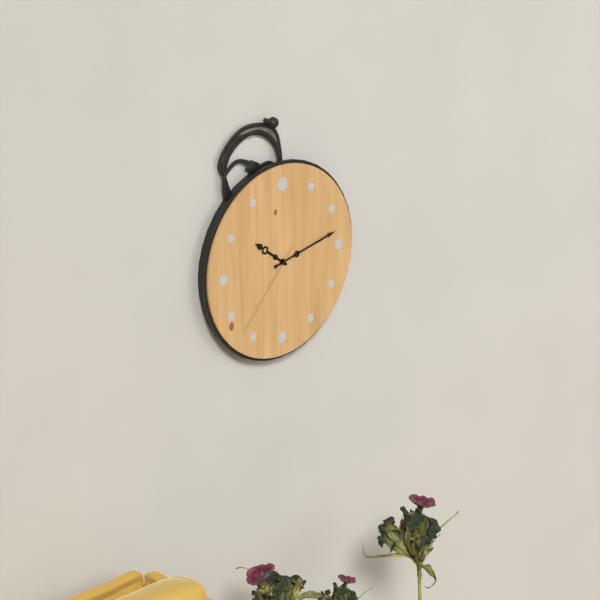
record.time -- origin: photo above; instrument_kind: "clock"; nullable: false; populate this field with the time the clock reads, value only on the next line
10:13:37
